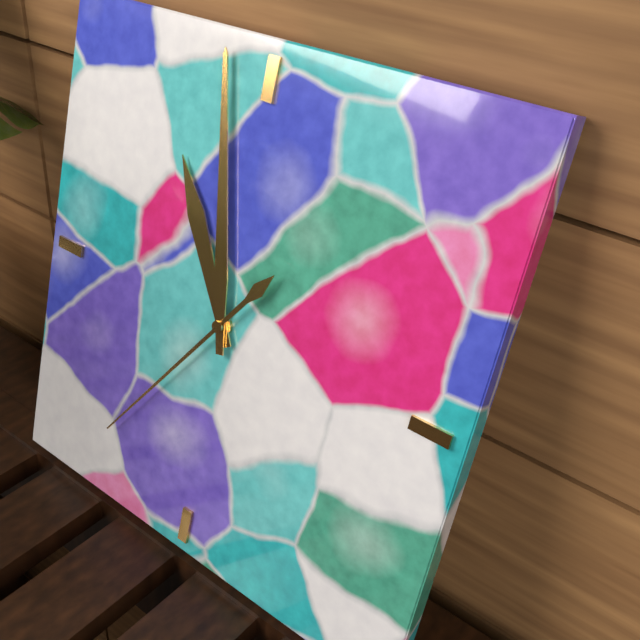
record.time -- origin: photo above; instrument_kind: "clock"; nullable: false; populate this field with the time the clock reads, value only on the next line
10:58:36
